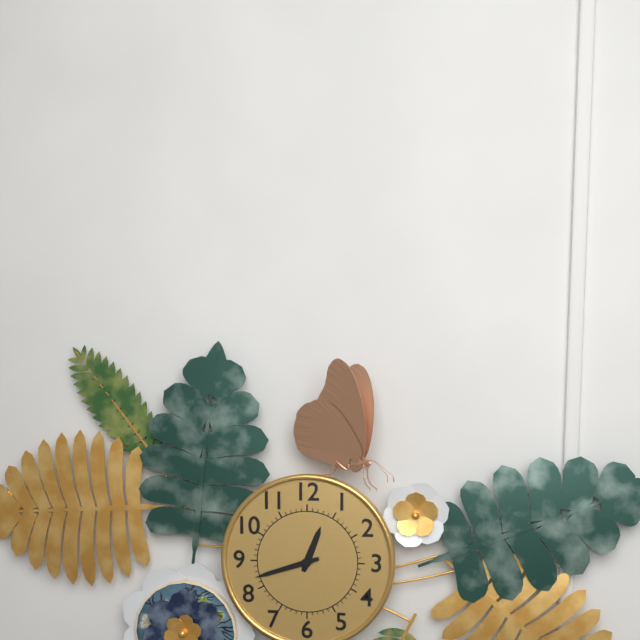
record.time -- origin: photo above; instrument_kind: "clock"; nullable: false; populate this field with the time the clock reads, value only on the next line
12:42
